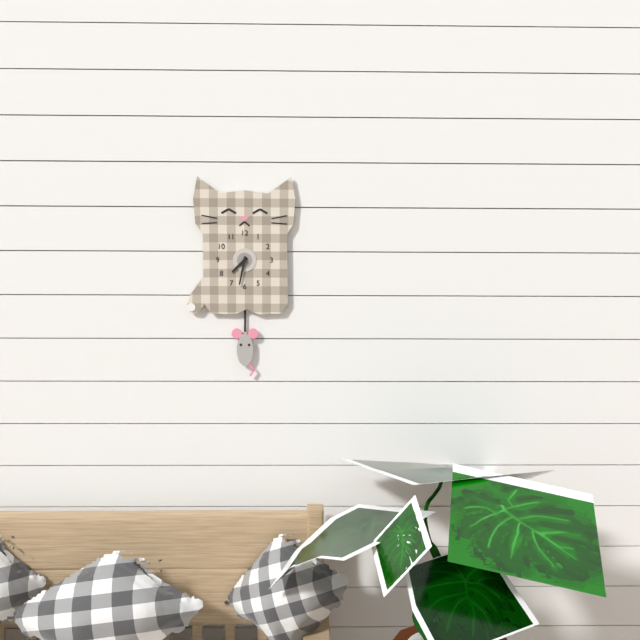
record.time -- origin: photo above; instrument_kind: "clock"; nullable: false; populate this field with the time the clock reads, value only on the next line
7:32
